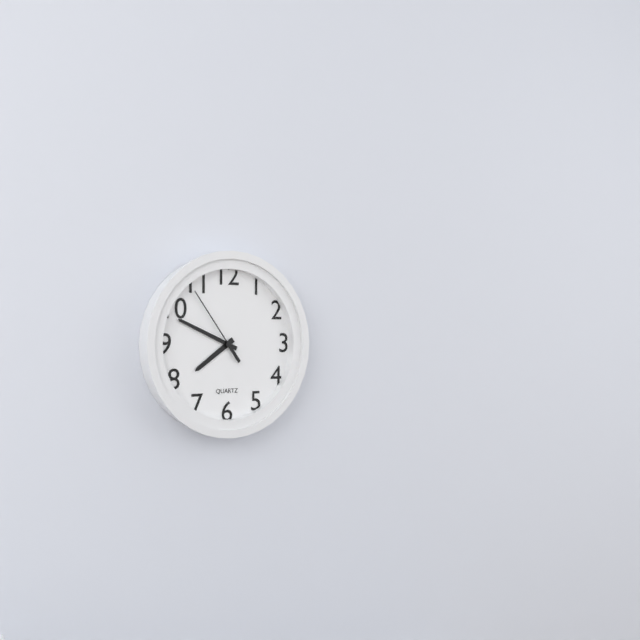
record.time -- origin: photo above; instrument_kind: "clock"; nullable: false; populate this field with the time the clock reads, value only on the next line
7:49:54
